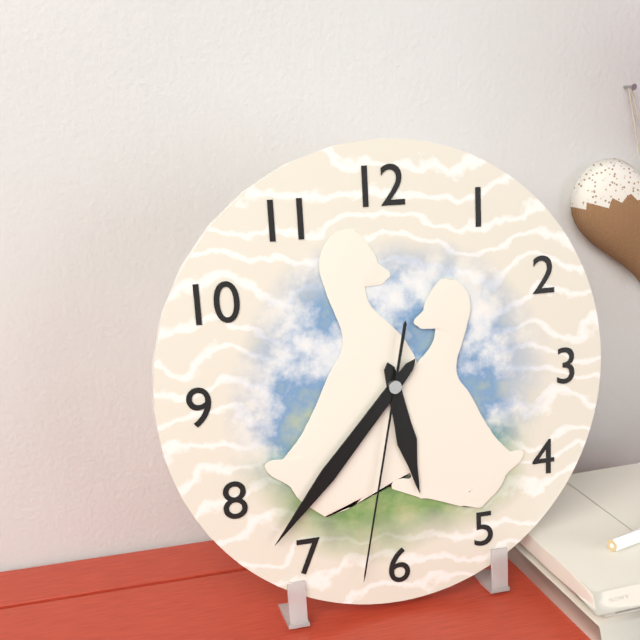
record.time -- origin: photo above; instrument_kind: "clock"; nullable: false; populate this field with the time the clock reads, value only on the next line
5:37:32
